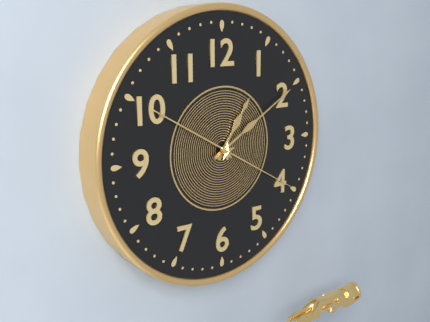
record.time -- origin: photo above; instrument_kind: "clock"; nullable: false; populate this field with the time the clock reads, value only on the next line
1:10:20
